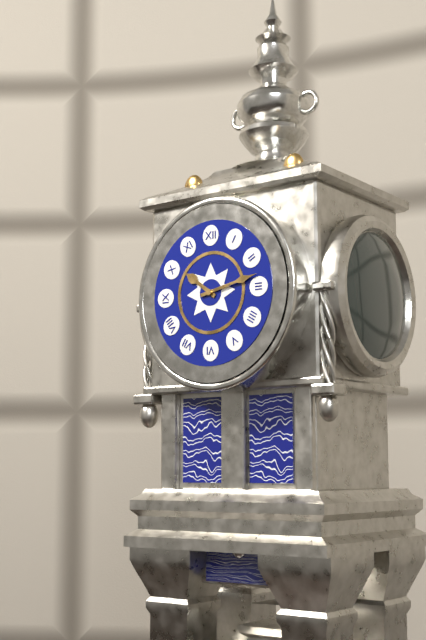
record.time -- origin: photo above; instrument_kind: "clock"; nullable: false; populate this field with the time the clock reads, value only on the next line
10:13
